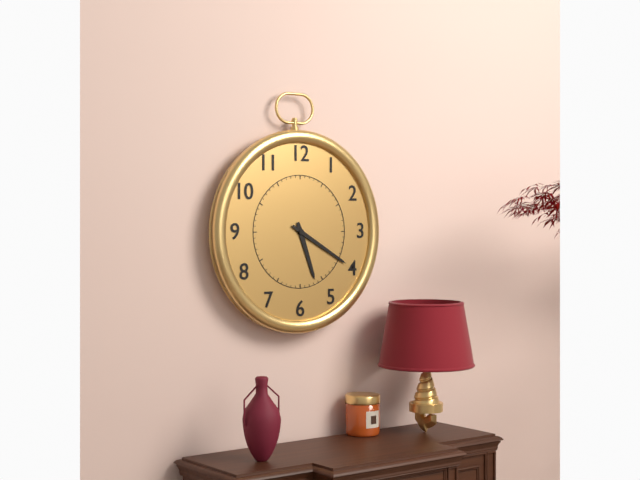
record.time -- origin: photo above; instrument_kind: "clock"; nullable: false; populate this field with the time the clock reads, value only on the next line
5:20
